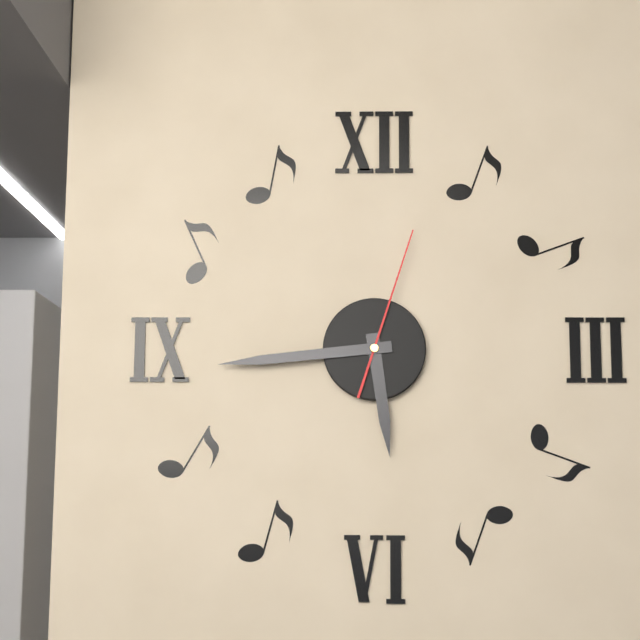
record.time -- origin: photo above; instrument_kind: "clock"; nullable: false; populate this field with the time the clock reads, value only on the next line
5:44:03
